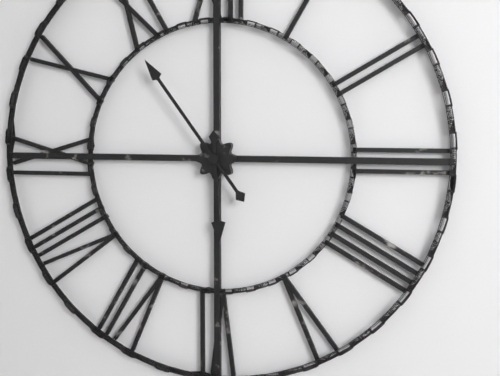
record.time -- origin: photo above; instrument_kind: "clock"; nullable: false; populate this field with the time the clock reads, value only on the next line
5:54
